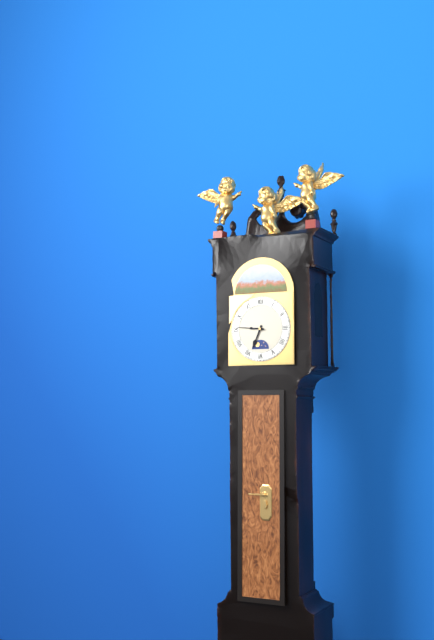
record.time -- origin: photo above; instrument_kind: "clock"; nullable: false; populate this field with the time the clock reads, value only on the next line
6:46
